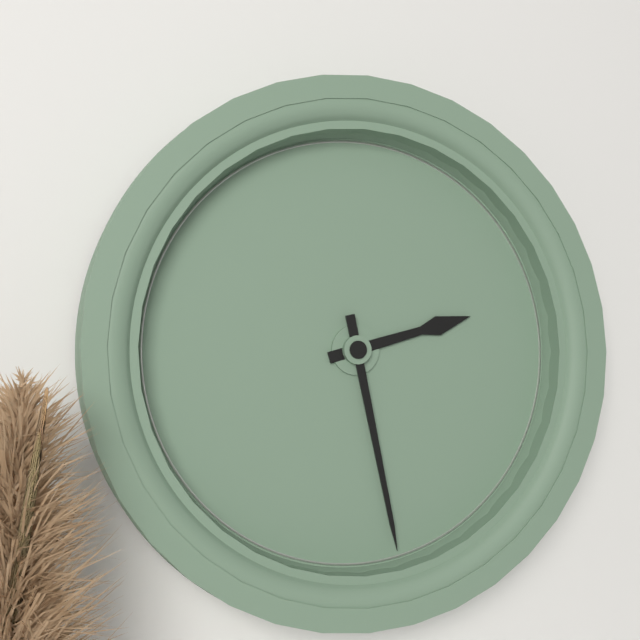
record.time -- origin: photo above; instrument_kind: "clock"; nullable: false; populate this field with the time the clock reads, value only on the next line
2:28
